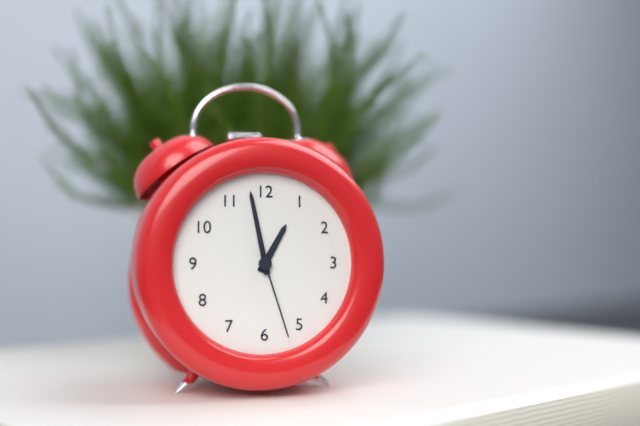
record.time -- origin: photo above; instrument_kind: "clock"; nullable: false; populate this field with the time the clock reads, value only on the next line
12:58:27
